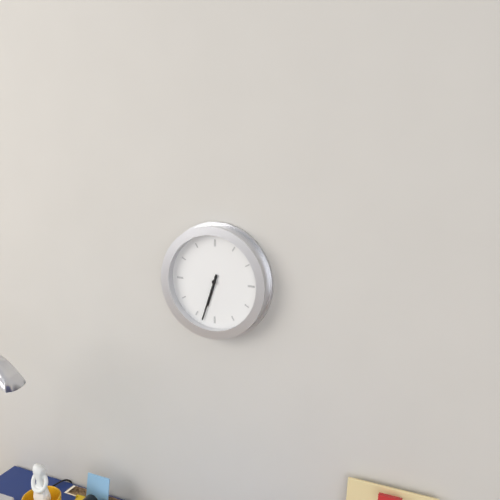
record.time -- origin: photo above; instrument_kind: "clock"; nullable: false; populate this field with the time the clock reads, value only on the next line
6:33
